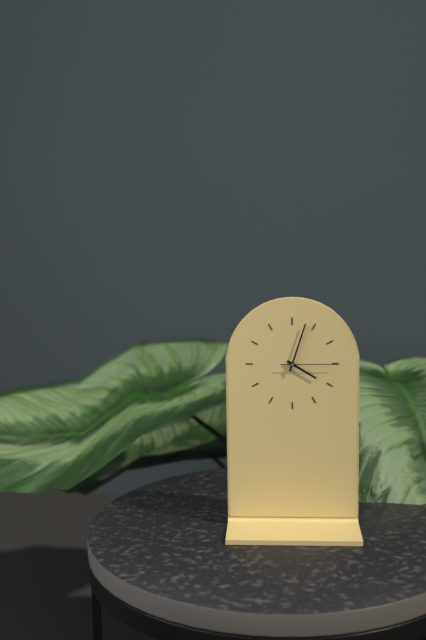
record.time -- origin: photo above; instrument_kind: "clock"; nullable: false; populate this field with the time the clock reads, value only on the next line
4:03:15
